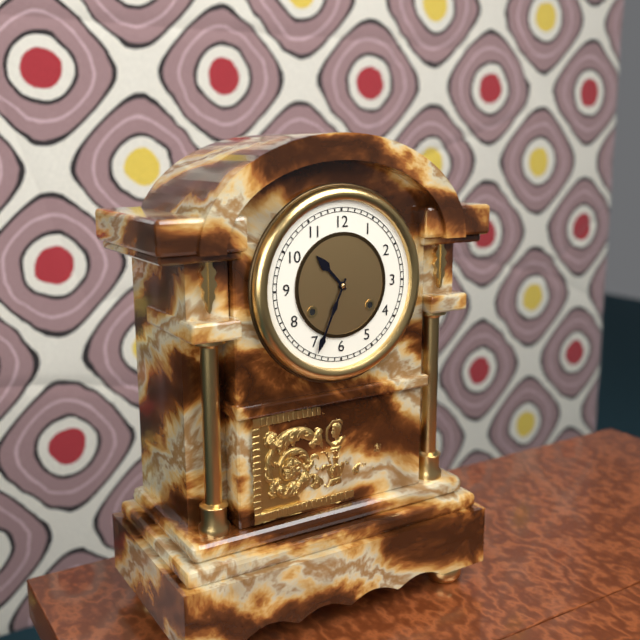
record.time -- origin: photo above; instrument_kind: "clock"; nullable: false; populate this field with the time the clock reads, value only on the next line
10:34
